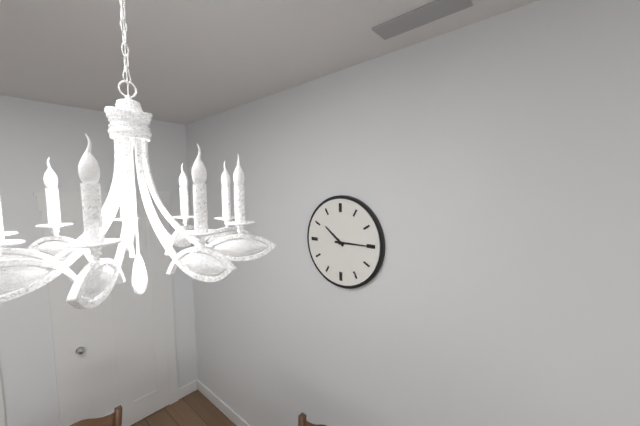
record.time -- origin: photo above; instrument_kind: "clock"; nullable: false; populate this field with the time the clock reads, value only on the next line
10:15
